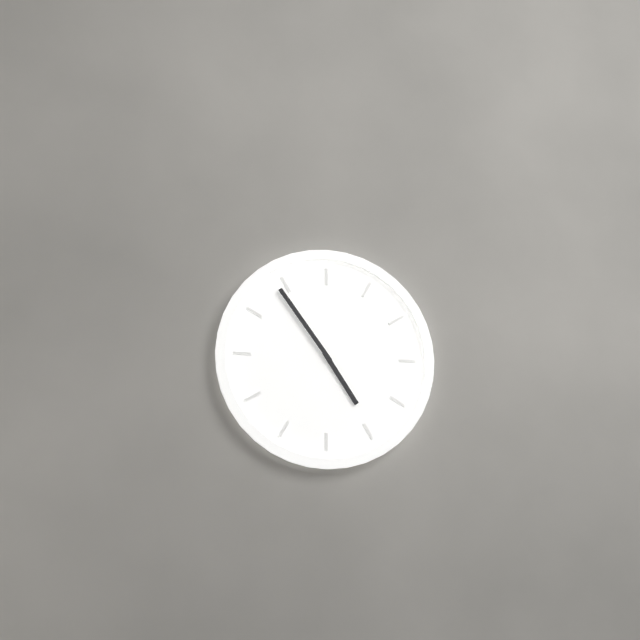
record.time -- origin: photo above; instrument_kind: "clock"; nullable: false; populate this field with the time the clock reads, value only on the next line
4:54
